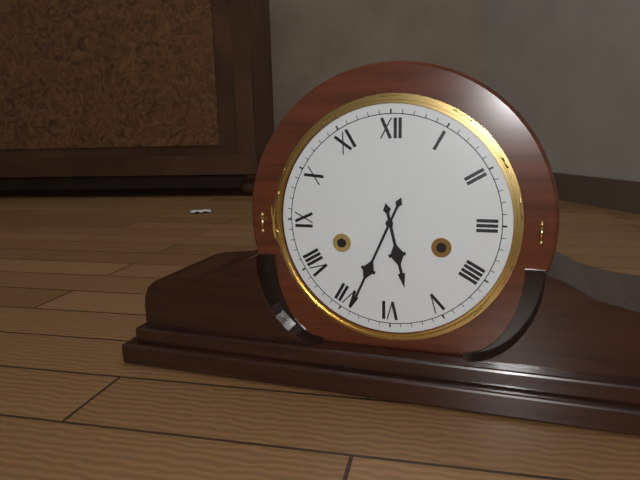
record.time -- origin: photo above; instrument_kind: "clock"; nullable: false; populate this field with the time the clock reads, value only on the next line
5:34
